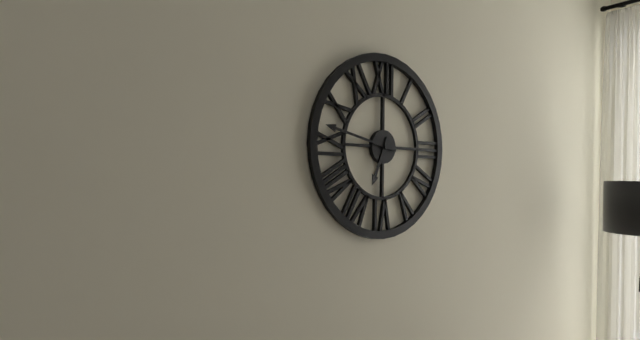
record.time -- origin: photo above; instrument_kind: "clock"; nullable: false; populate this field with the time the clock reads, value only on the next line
6:47
